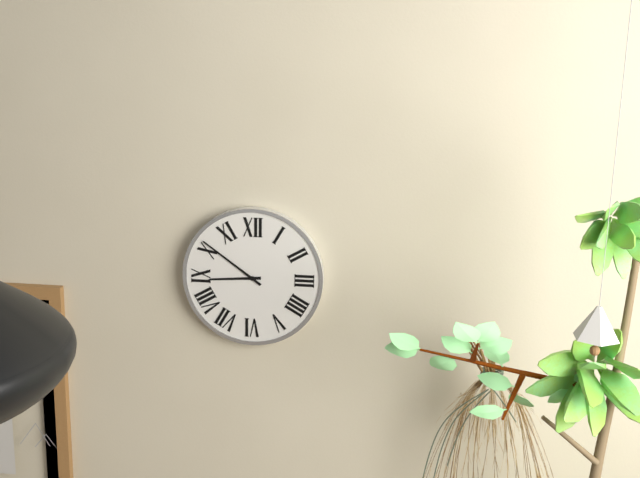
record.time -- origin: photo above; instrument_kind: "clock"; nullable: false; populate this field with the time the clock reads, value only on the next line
8:51
